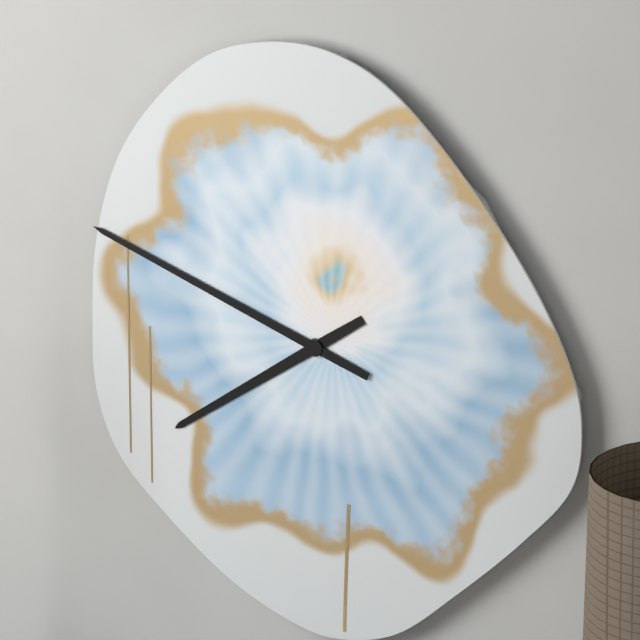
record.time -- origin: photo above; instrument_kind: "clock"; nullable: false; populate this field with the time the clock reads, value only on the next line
7:48
